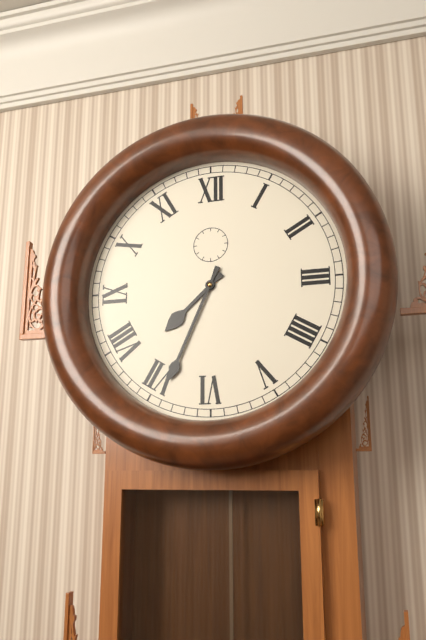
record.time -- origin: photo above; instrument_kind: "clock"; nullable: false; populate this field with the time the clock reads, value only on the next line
7:34
